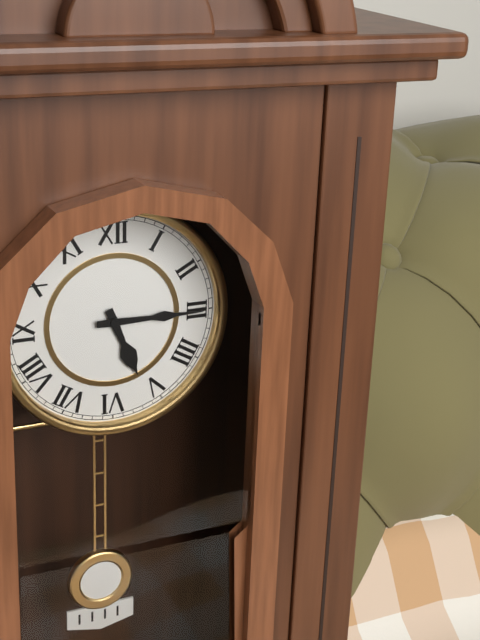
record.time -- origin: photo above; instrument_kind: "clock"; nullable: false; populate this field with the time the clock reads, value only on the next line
5:15
